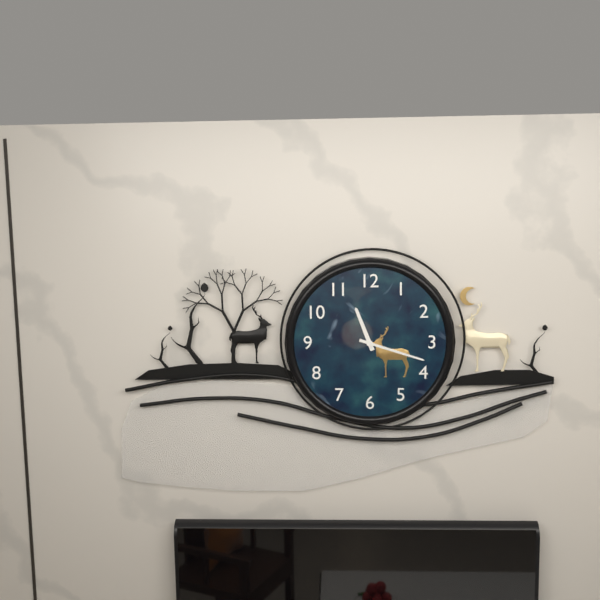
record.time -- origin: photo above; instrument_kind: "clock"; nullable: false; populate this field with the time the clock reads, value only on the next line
11:18
